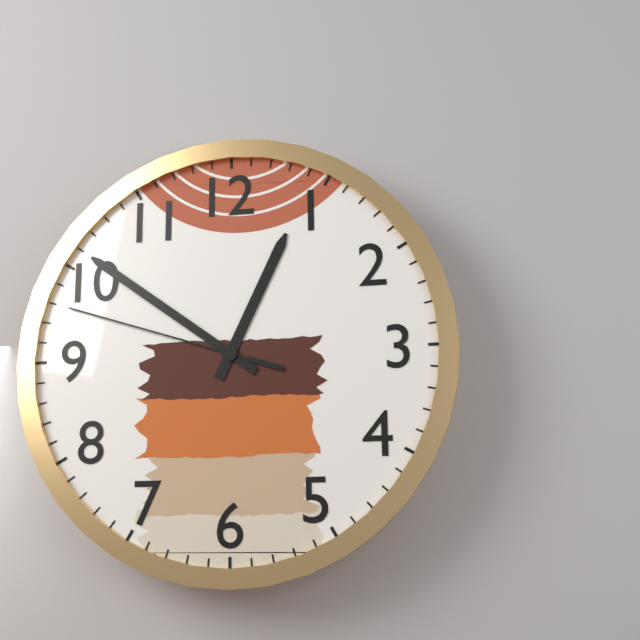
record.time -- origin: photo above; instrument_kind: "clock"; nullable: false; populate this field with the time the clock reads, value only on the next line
12:51:48
